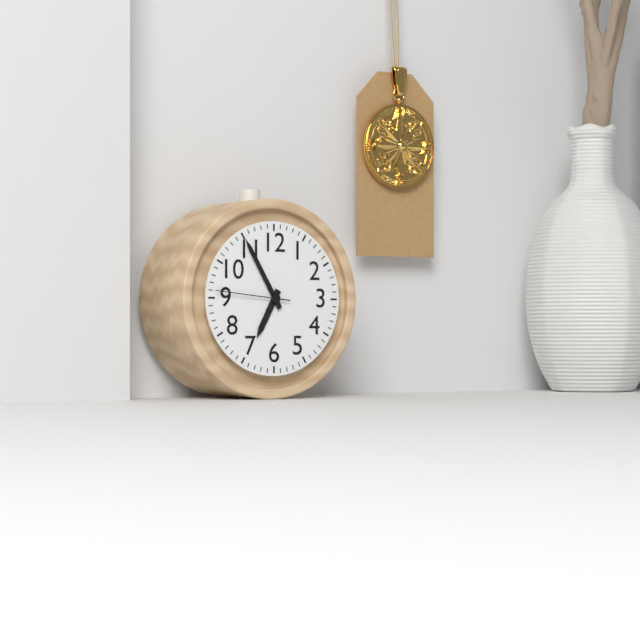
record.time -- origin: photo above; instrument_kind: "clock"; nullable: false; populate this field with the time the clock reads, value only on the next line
6:55:46
